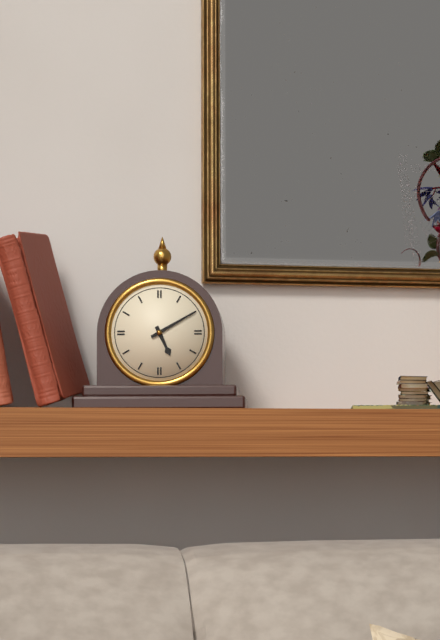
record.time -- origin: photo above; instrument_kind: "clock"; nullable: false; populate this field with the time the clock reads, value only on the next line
5:10
